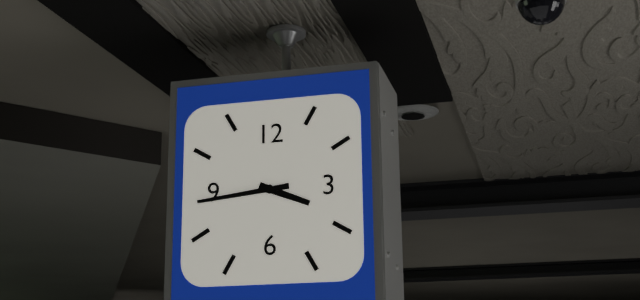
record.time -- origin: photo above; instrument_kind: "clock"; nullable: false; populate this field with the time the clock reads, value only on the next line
3:44
